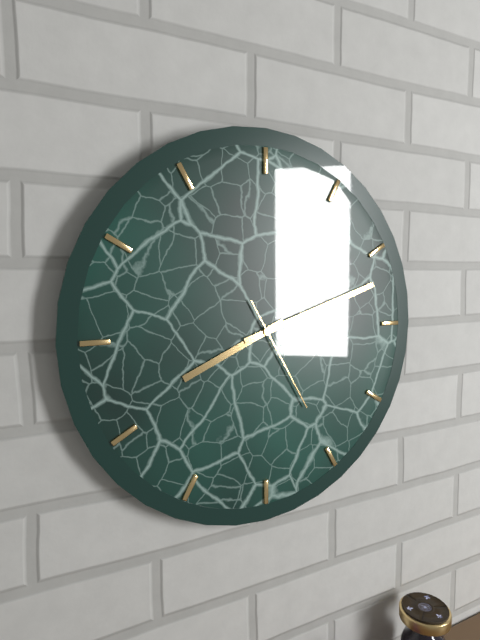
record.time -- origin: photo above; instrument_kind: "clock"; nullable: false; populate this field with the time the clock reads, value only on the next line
8:12:25
